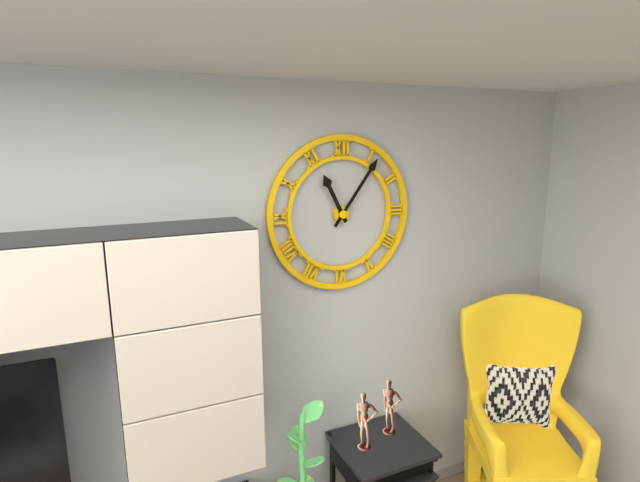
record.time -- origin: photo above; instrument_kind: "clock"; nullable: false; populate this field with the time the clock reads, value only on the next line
11:06
